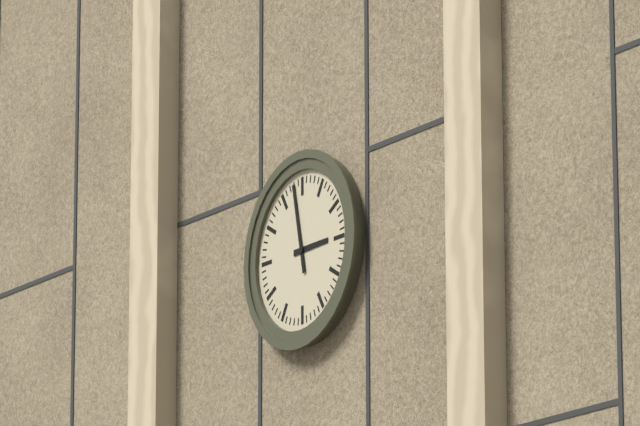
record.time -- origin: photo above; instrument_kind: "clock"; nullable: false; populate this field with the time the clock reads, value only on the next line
2:58
